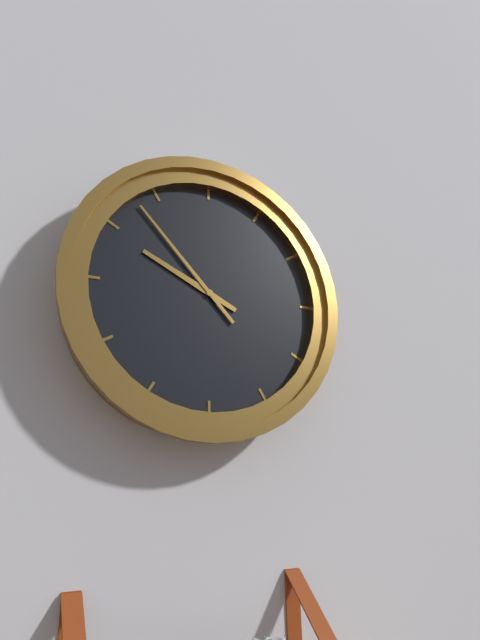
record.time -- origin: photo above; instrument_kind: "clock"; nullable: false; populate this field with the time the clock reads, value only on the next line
9:53
